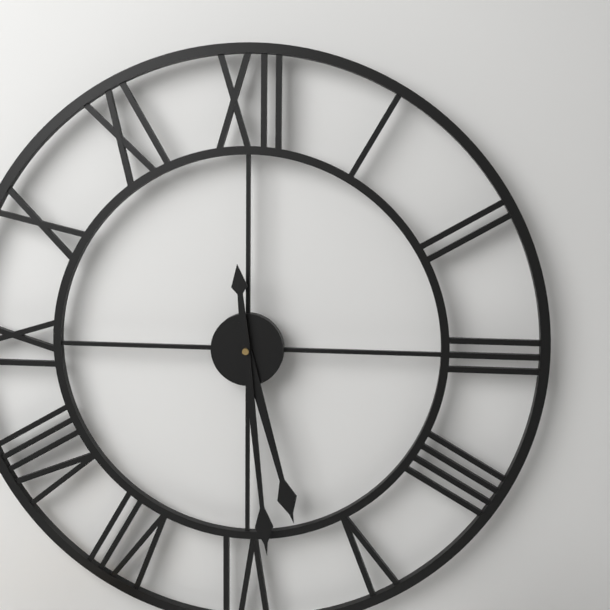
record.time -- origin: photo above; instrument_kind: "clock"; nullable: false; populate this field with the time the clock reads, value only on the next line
5:29
